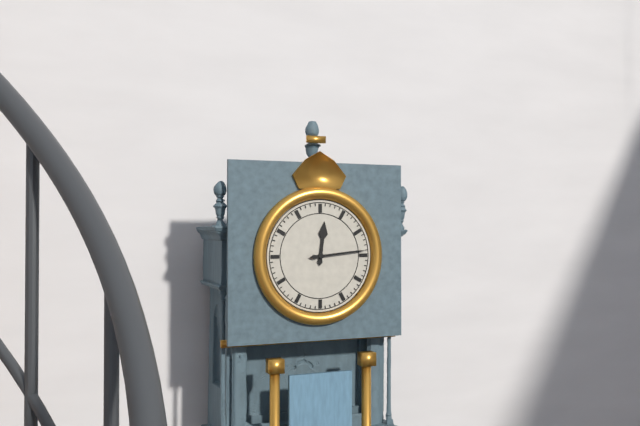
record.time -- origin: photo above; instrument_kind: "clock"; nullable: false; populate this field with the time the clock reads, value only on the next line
12:14
